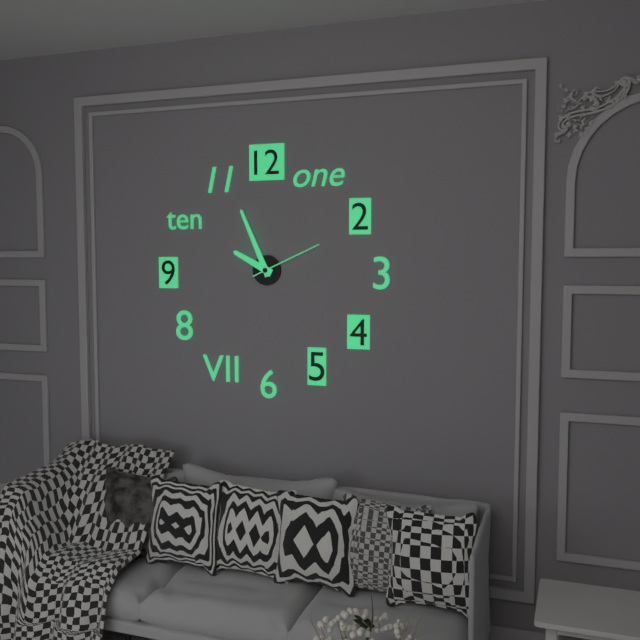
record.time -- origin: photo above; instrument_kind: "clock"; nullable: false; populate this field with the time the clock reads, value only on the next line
9:56:11
